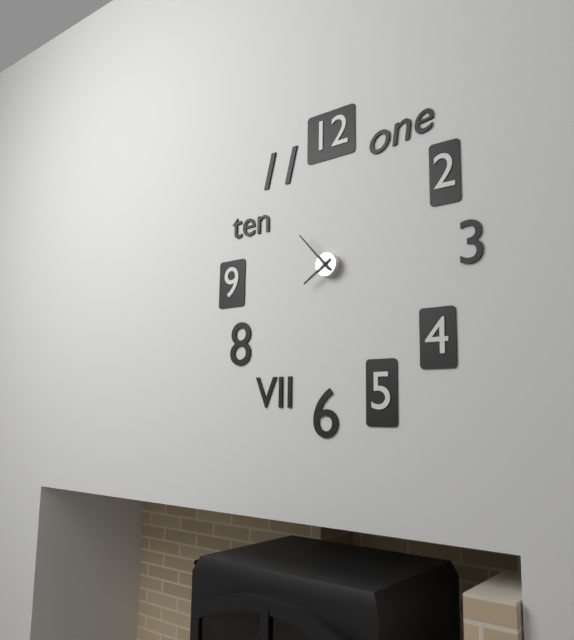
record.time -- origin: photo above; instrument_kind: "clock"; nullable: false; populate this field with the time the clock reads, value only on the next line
7:53
